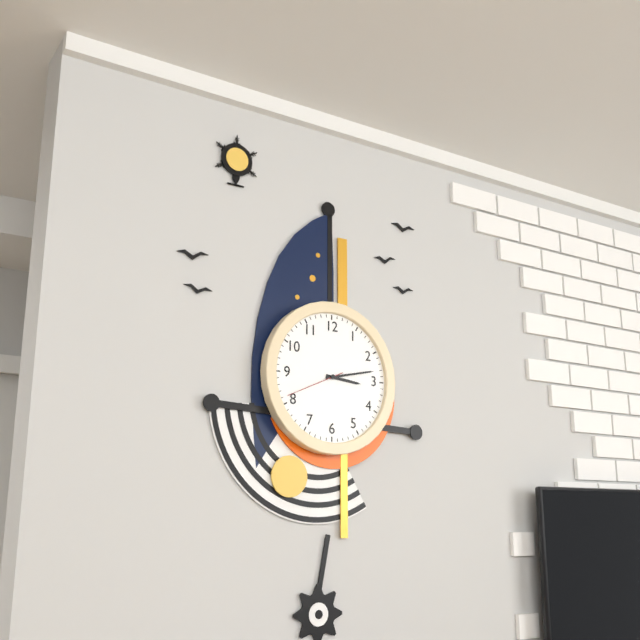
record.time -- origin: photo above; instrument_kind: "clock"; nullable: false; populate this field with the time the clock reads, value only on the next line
3:13:41
